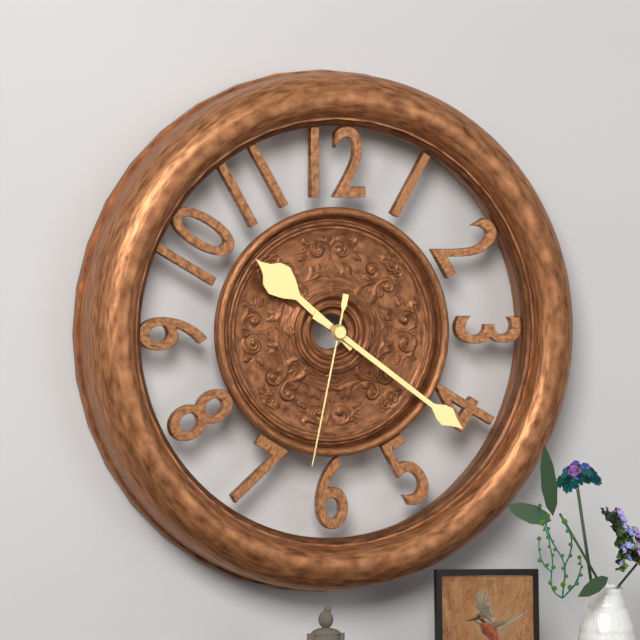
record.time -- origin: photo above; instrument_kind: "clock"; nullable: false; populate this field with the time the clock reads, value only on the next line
10:21:32
